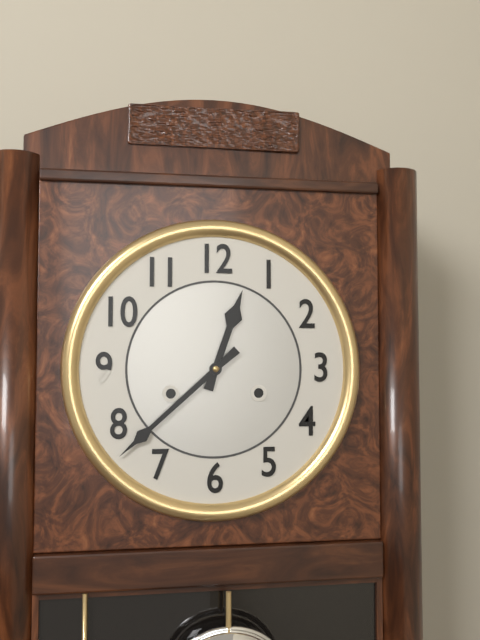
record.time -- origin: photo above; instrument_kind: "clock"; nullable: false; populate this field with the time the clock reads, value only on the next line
12:38
